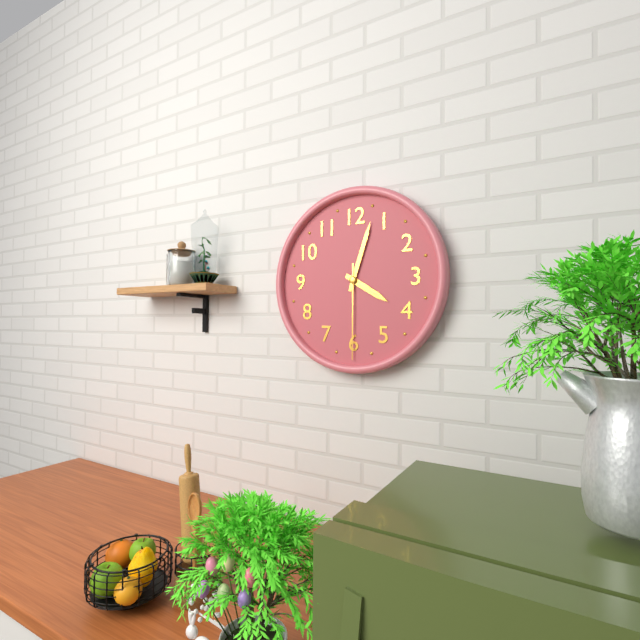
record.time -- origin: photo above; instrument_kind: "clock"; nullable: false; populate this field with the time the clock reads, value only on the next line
4:03:30
